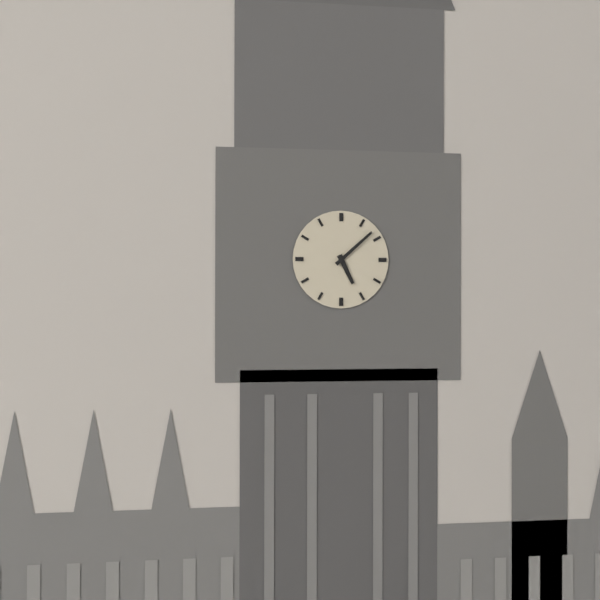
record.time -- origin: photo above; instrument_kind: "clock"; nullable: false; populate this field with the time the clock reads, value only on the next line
5:08
